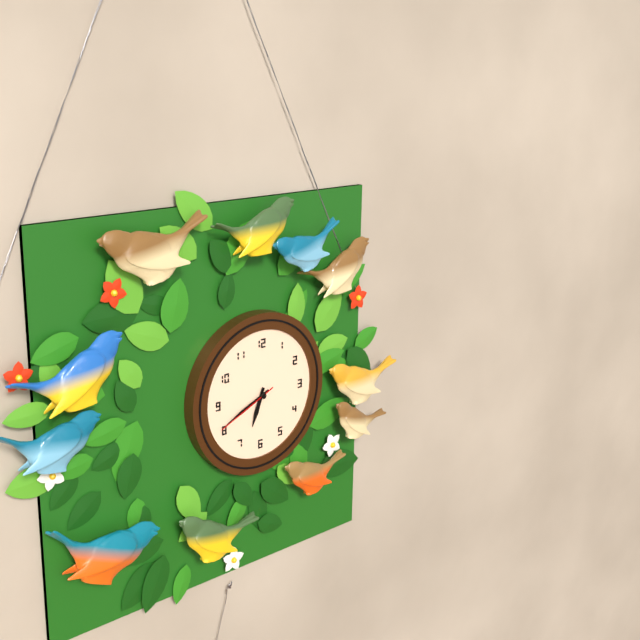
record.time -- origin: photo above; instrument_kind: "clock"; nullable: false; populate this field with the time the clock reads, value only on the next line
6:41:41
